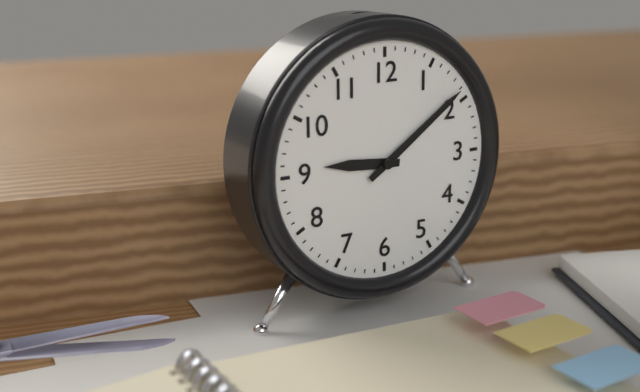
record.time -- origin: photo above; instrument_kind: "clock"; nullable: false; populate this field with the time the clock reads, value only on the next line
9:09
